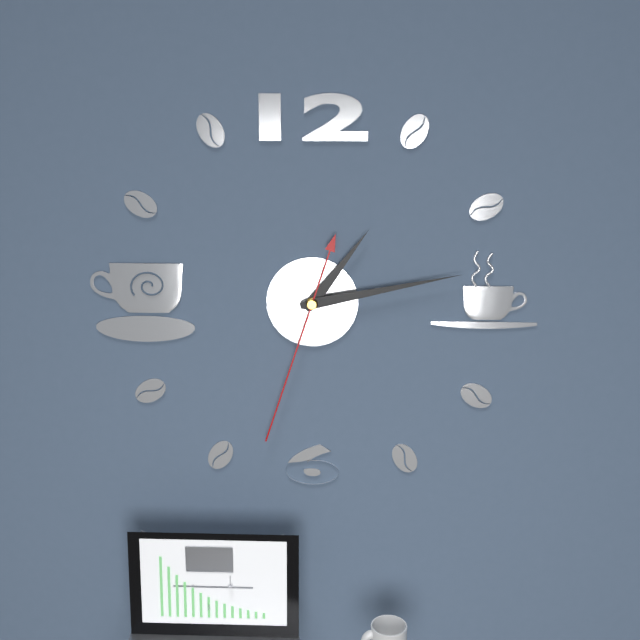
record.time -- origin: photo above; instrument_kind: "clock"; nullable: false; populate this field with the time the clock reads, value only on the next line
1:13:33
